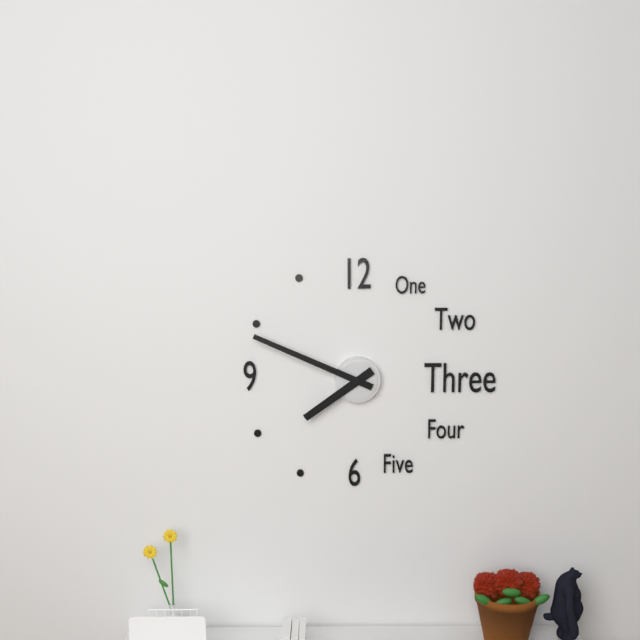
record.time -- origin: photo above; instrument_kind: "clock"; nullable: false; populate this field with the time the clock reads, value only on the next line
7:49
